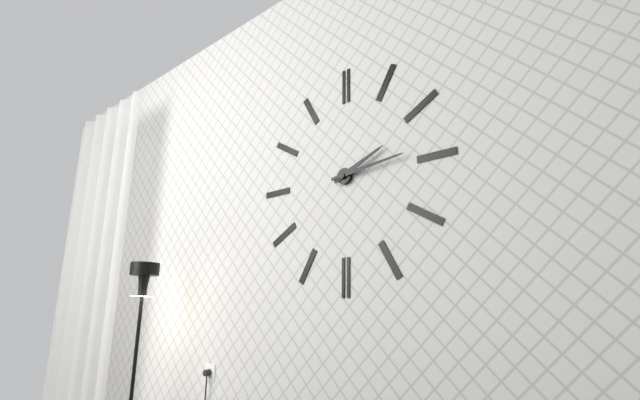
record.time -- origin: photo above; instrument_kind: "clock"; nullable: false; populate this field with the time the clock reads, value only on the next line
2:14
